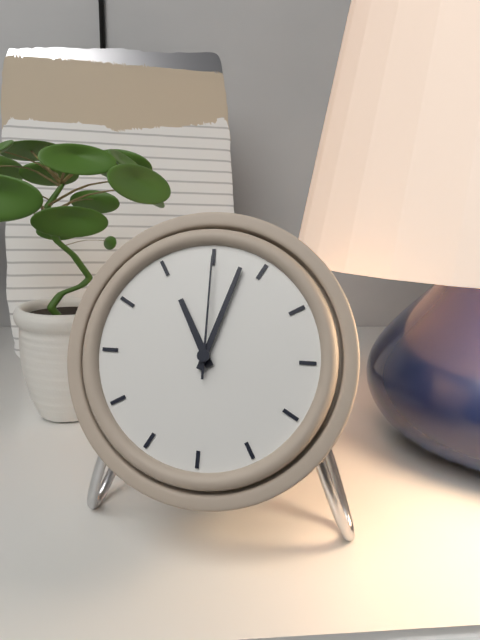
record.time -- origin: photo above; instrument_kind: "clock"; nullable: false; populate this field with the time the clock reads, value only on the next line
11:03:00
